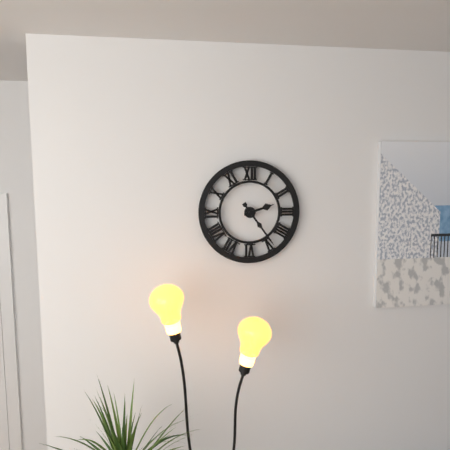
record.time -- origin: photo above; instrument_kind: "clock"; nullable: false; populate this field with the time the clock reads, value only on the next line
2:24
